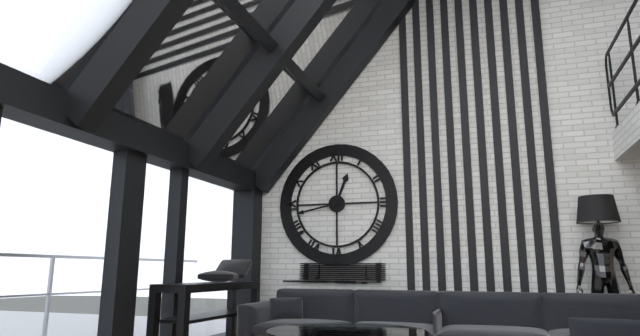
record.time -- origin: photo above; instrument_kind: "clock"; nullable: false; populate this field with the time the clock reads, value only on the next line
12:43
